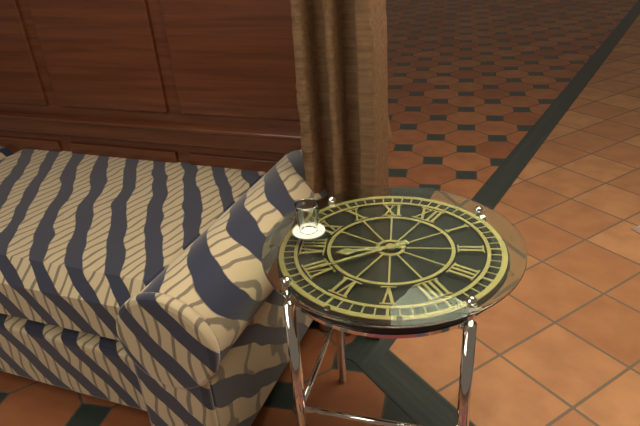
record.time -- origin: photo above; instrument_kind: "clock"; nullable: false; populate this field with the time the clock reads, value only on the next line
7:35
